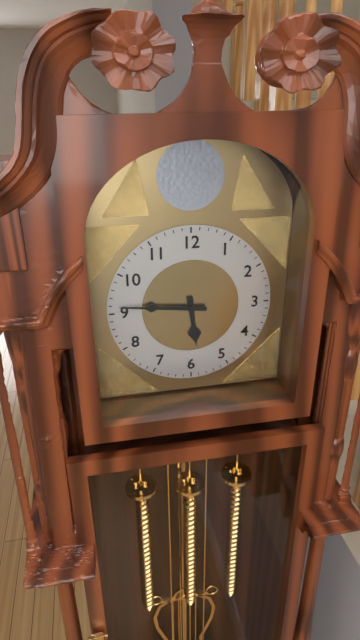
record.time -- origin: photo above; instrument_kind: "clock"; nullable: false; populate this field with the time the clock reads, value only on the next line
5:46
